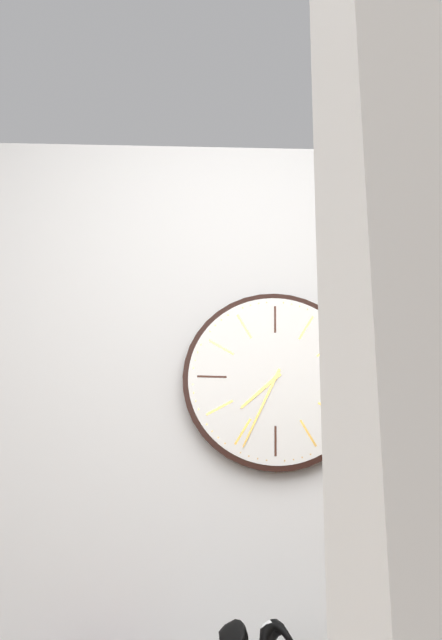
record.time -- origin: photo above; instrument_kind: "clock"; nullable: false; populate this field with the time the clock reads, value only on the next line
7:34
